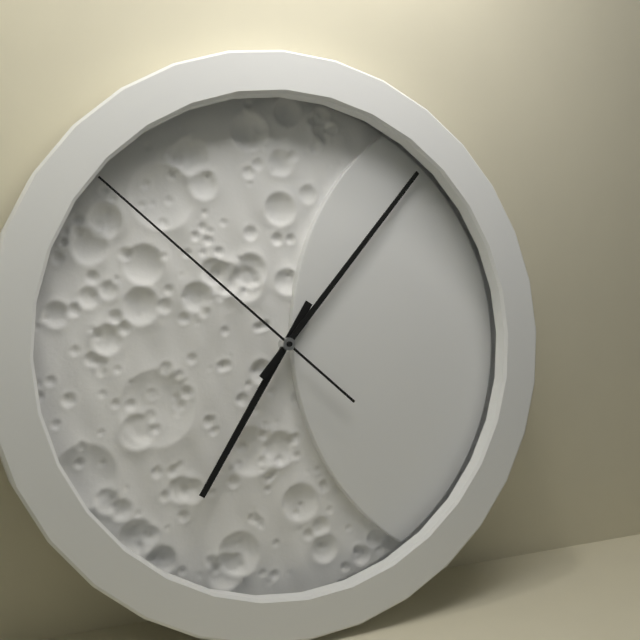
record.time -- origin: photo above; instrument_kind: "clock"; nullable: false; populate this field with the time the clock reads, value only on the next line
7:07:52
